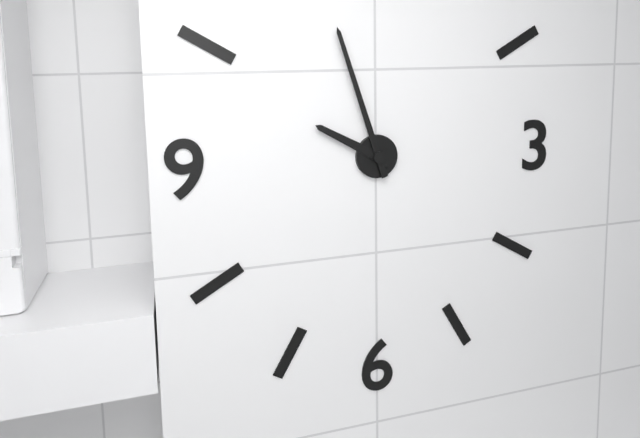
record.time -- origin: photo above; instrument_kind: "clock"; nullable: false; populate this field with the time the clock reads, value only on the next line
9:57
